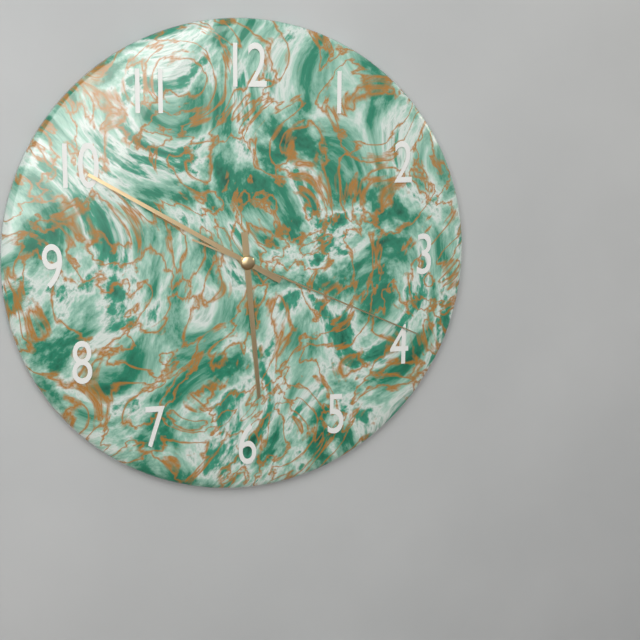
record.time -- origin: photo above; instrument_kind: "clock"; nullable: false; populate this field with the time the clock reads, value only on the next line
5:50:19
